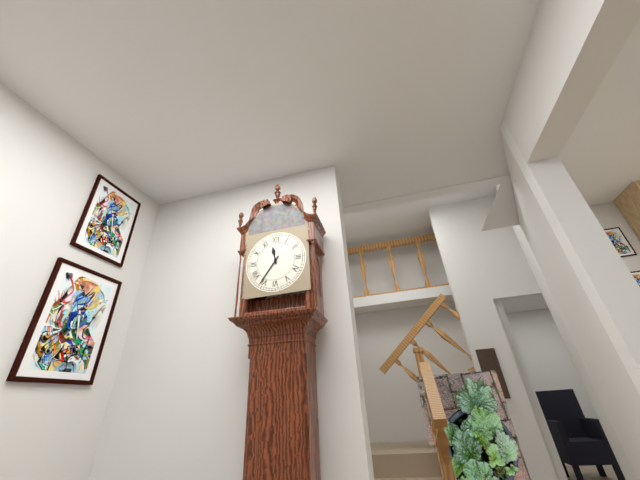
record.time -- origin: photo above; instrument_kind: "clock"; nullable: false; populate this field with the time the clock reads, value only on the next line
11:36
